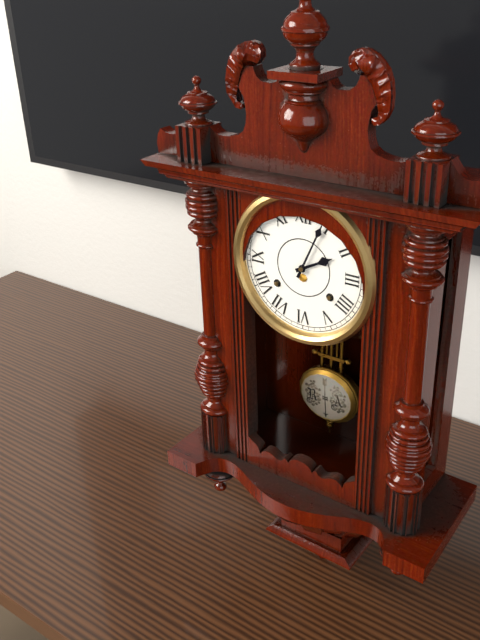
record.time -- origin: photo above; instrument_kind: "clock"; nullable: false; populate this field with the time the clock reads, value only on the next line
2:04
